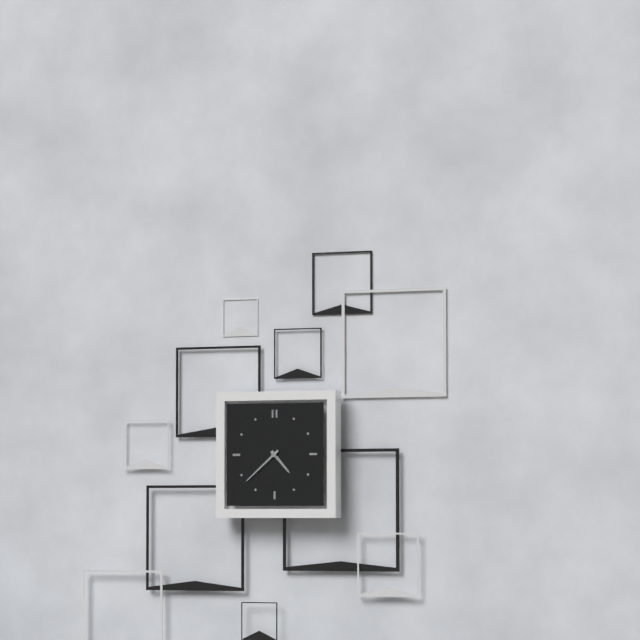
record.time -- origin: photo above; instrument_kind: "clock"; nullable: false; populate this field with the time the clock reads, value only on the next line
4:38
